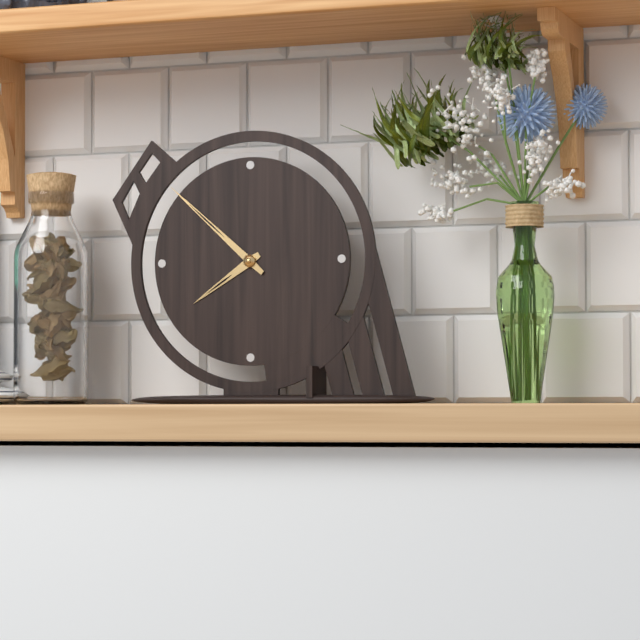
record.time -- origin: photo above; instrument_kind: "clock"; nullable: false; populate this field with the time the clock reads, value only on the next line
7:52
